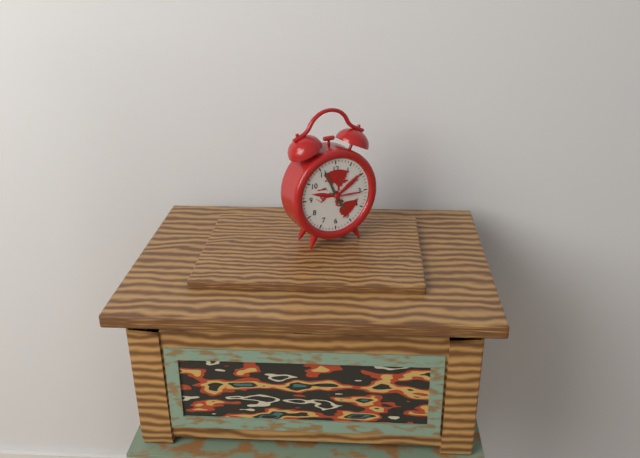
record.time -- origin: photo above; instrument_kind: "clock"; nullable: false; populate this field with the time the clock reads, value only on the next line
4:56
